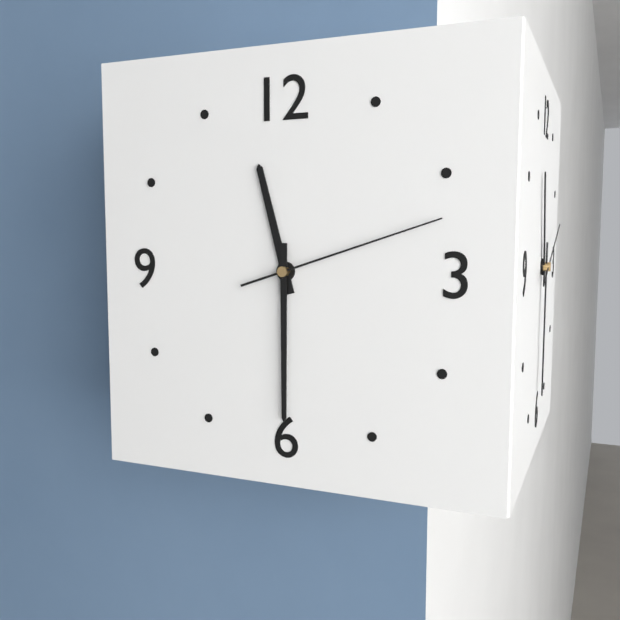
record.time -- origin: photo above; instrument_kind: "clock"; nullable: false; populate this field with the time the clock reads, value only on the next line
11:30:12
